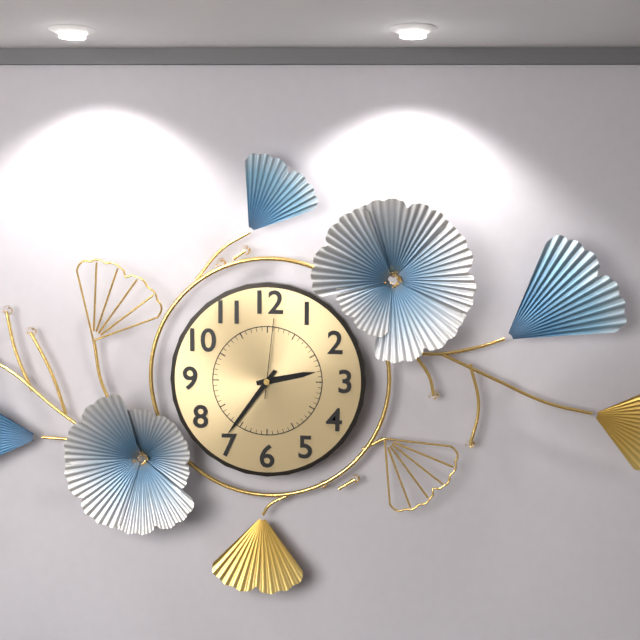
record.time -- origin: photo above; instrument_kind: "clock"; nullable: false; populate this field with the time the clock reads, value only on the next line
2:36:01
